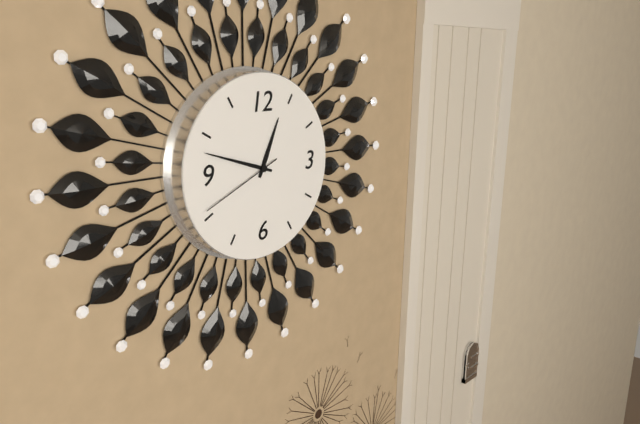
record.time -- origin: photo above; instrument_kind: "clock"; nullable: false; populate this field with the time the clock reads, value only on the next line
12:48:41
